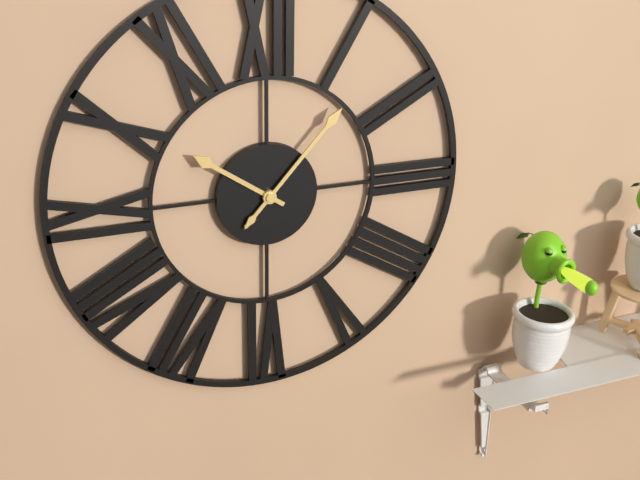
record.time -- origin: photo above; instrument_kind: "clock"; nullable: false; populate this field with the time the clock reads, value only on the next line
10:07
